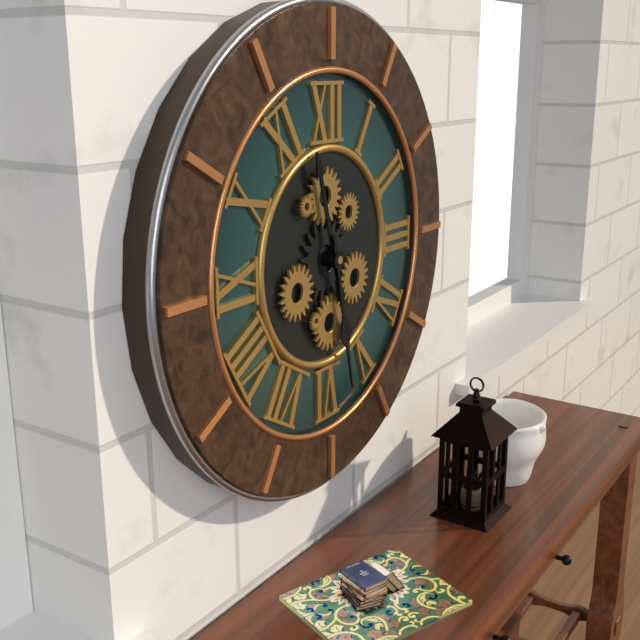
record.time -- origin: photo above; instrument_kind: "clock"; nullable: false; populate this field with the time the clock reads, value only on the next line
11:28
